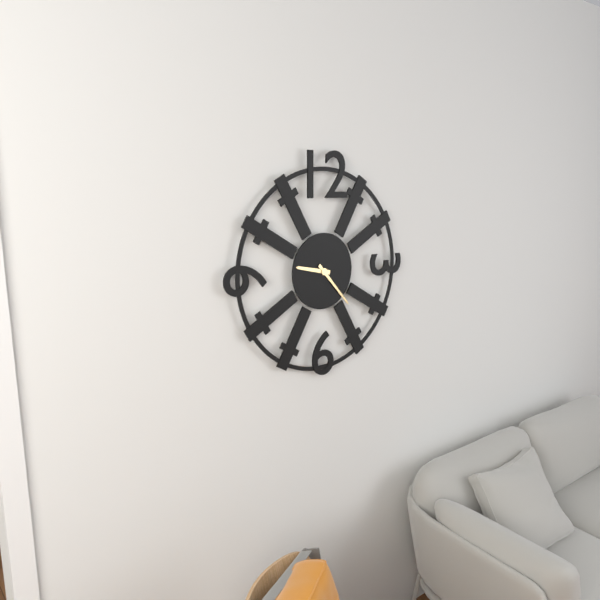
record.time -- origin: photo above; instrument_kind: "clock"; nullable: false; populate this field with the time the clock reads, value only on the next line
9:23
